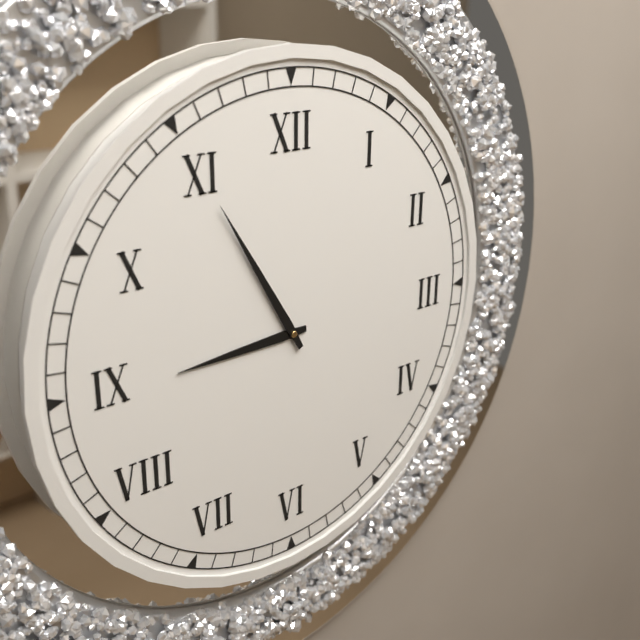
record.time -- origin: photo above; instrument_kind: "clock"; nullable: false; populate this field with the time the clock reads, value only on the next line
8:55
